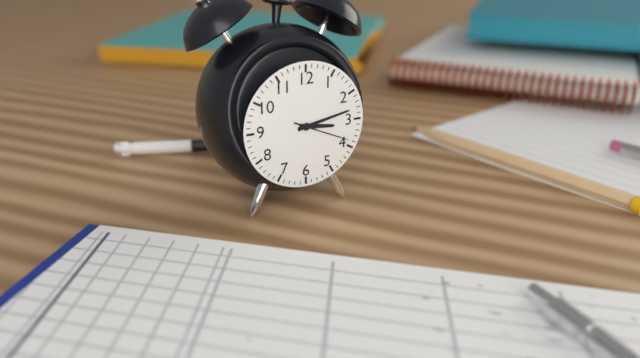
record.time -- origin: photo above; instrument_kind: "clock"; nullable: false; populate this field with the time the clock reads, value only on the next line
3:13:19
